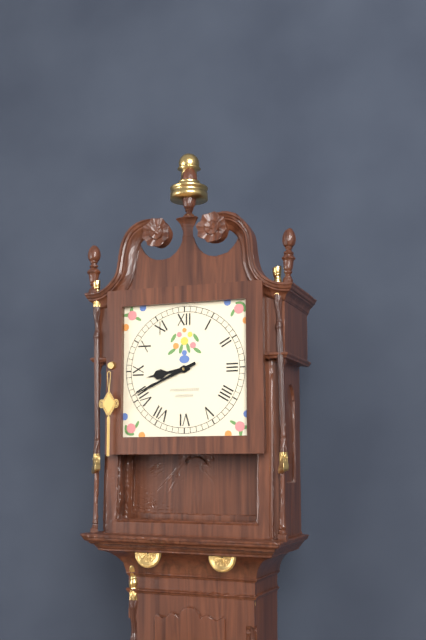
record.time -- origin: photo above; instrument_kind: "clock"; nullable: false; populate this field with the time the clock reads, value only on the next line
8:41
